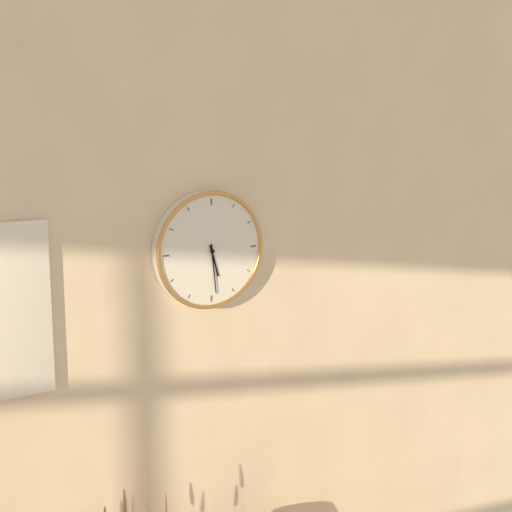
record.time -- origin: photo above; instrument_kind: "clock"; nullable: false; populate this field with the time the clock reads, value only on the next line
5:29
